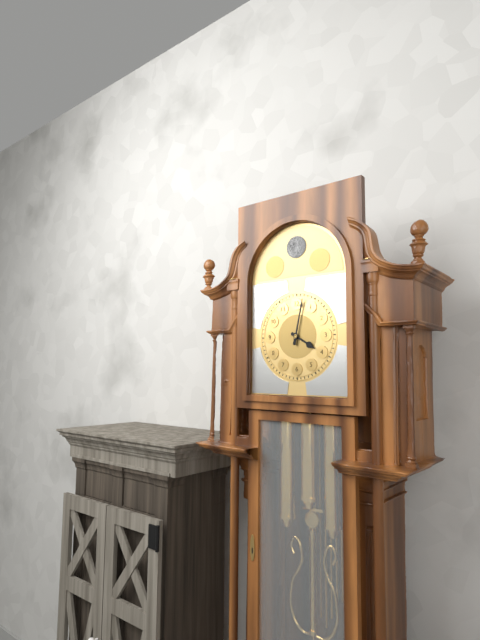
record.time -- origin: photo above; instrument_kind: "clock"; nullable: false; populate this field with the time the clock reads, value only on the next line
4:02
